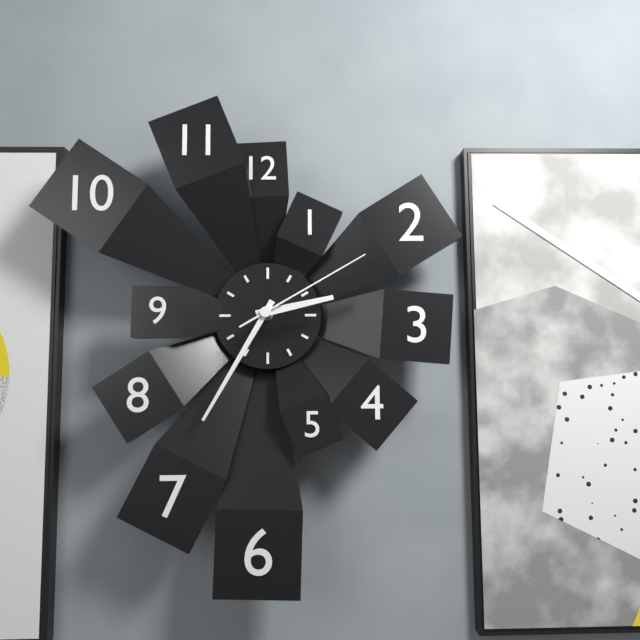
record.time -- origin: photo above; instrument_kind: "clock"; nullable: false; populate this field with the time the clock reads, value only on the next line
2:35:10
